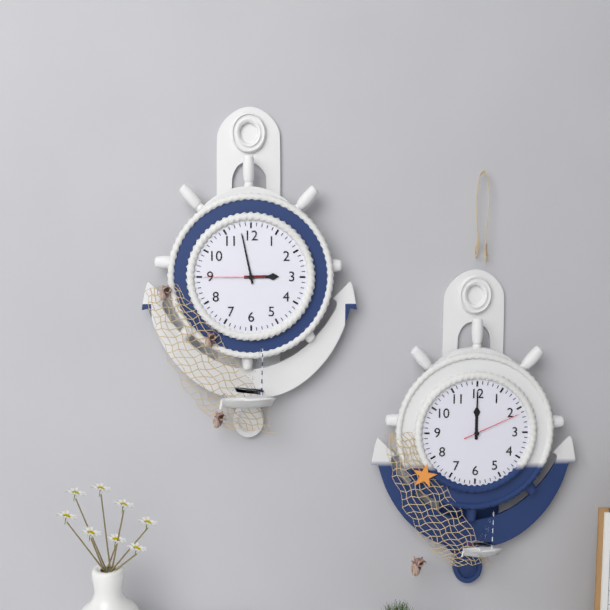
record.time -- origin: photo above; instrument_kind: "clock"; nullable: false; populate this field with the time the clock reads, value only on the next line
2:58:45
